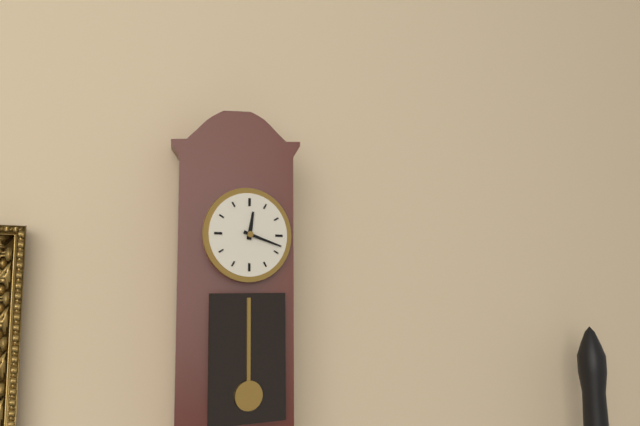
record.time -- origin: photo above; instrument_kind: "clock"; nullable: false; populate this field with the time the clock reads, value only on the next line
12:18
